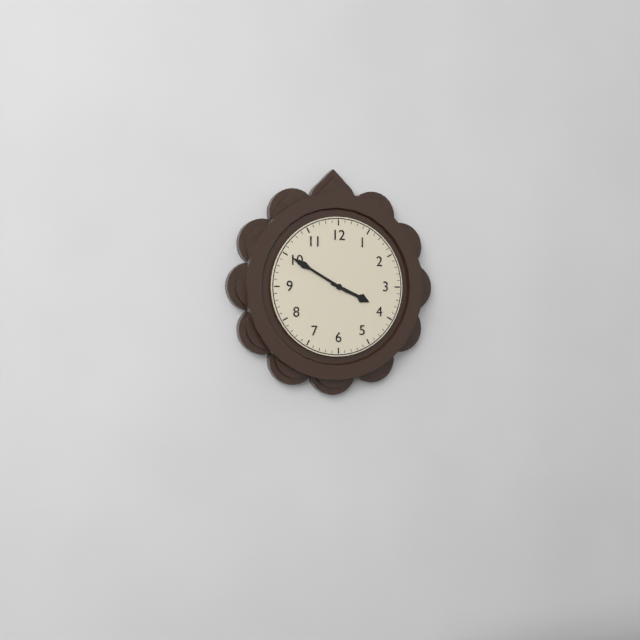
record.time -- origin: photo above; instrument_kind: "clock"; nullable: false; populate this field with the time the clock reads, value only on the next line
3:50
